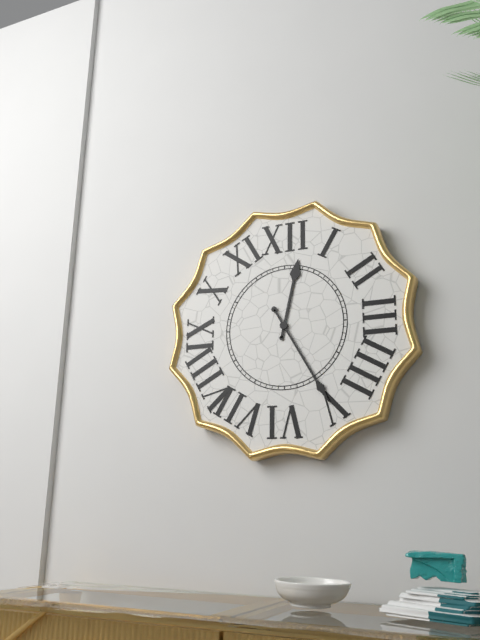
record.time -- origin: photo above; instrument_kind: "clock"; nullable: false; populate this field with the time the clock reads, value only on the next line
12:25
